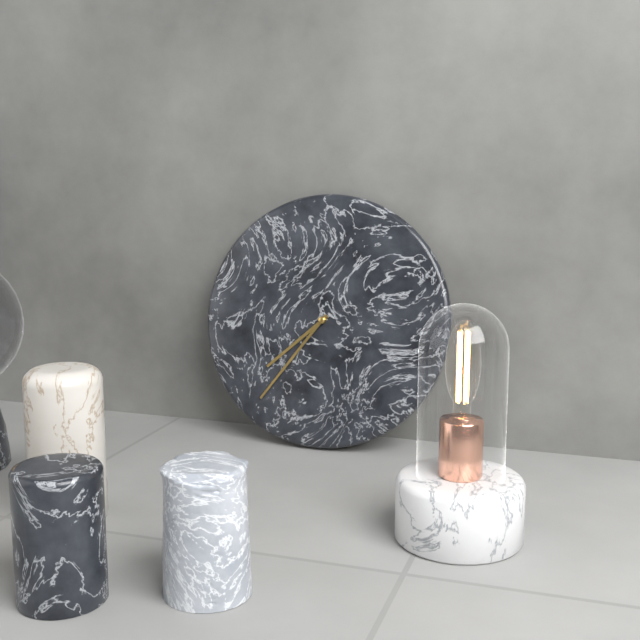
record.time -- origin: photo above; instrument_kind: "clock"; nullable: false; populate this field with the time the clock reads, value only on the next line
7:36
